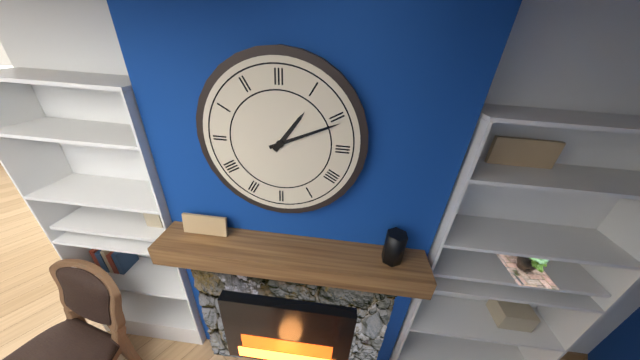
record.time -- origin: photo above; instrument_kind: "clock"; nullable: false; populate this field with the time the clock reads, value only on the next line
1:11
